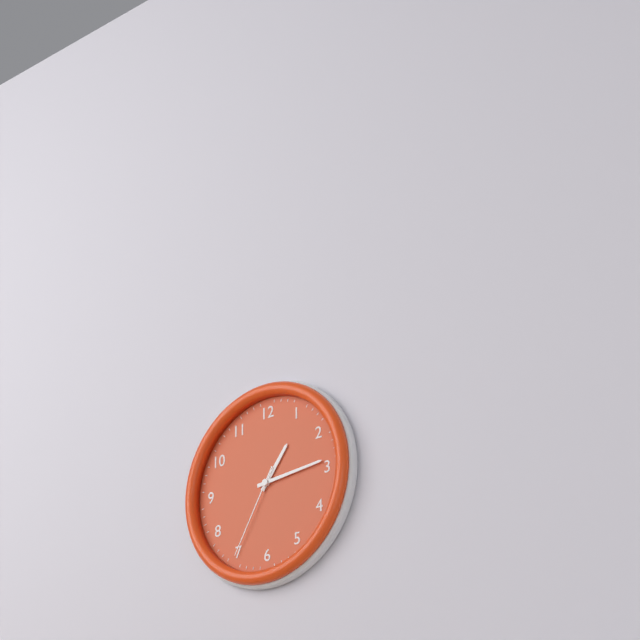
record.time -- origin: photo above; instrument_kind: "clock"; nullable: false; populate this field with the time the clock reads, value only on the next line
1:14:35
